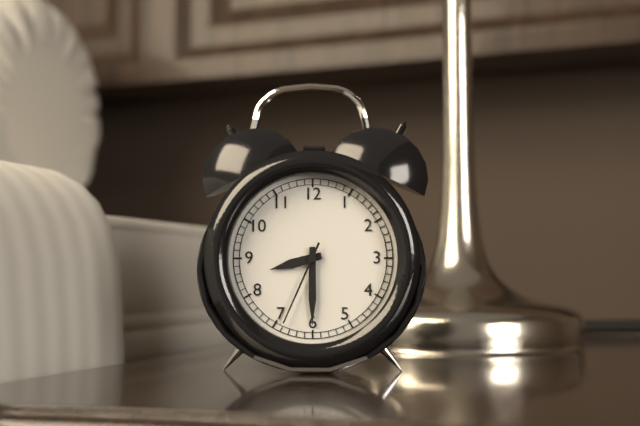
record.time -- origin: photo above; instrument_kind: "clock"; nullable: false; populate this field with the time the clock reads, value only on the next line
8:30:34
